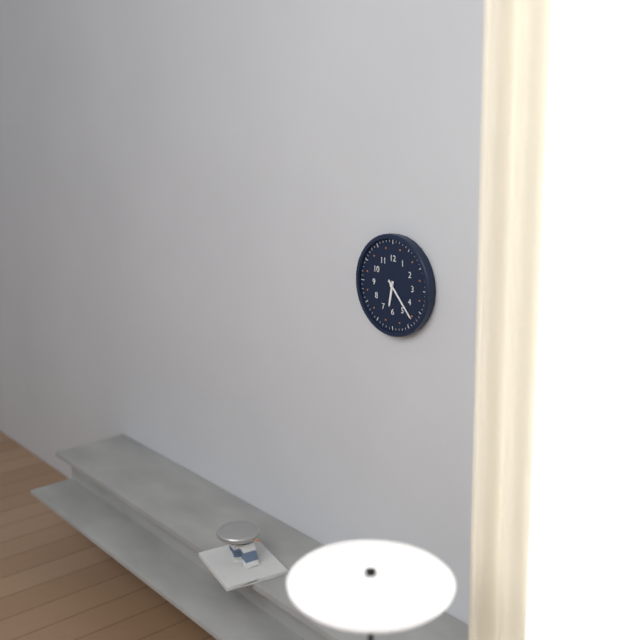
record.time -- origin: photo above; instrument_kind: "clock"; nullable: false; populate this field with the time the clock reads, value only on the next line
6:23
